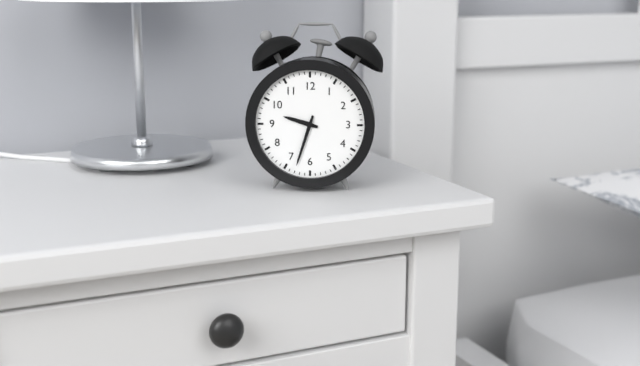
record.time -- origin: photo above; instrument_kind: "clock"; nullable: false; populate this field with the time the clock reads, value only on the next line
9:33
